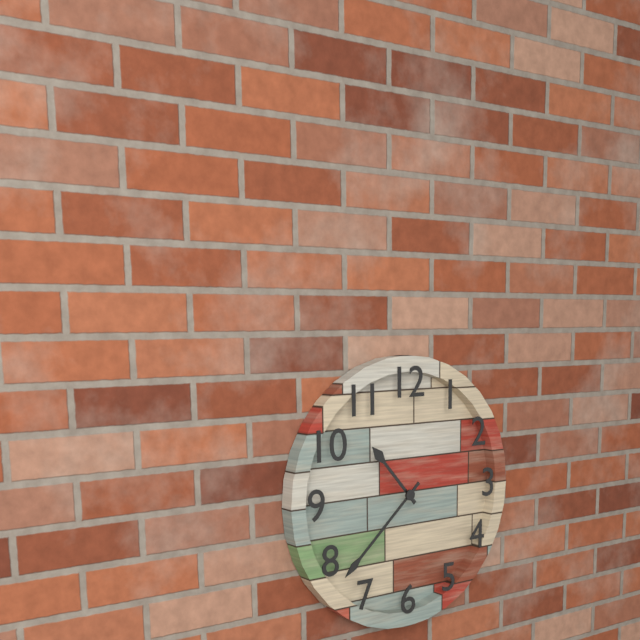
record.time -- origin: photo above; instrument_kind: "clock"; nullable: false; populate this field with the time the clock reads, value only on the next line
10:38
